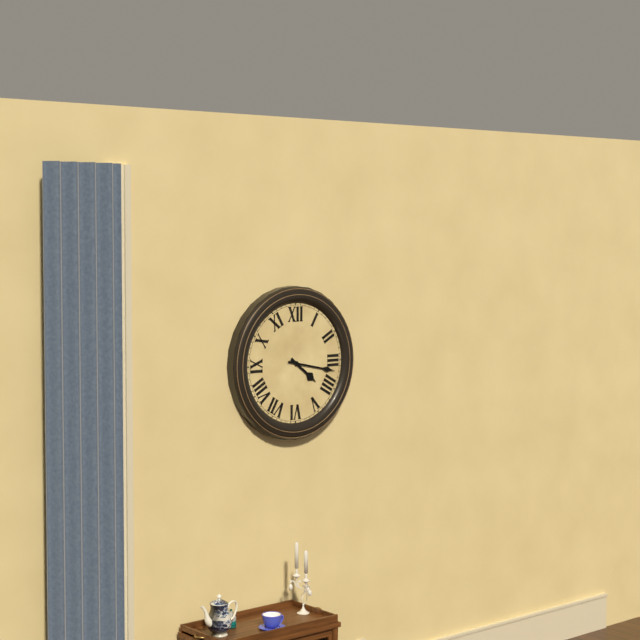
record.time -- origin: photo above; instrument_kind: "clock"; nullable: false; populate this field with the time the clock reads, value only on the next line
4:17
